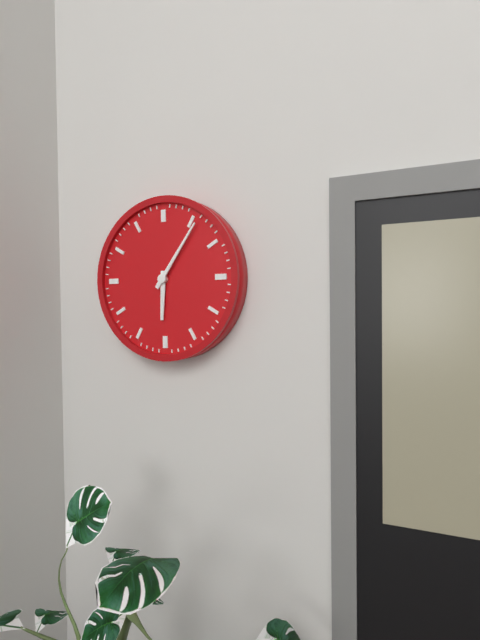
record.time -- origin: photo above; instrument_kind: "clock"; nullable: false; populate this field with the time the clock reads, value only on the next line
6:06
